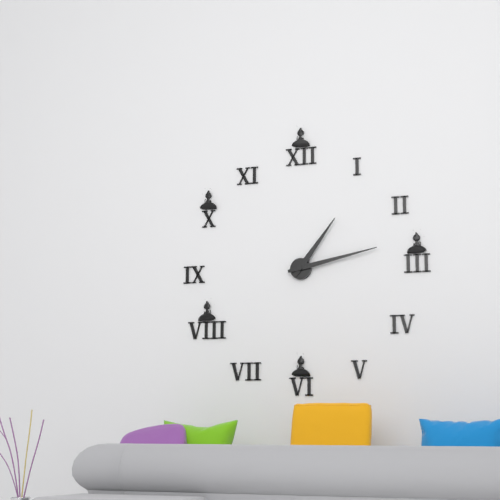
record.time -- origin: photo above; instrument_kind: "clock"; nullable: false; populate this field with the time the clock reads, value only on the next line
1:13
